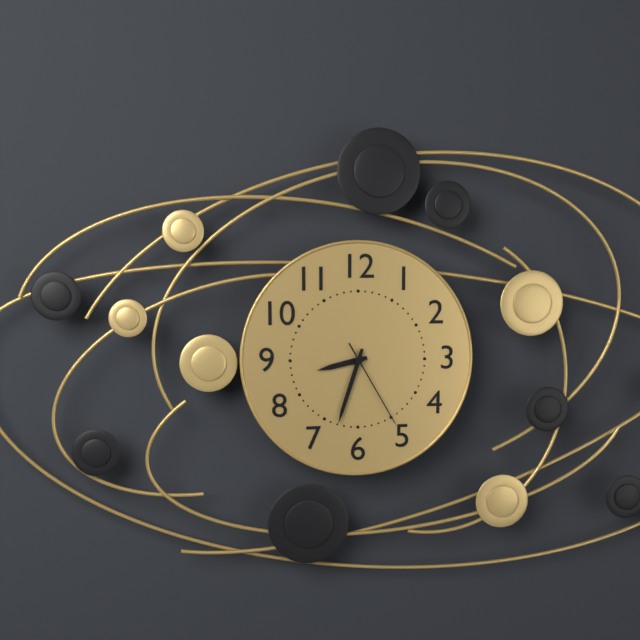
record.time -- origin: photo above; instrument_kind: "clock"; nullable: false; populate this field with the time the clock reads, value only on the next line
8:33:25
